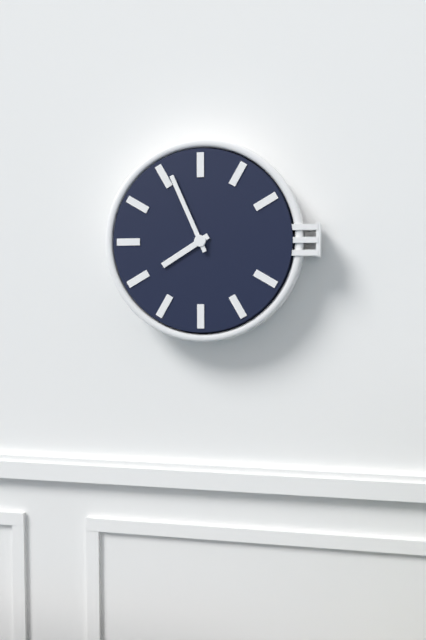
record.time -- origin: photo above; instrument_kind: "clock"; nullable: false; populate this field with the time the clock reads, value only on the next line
7:56
